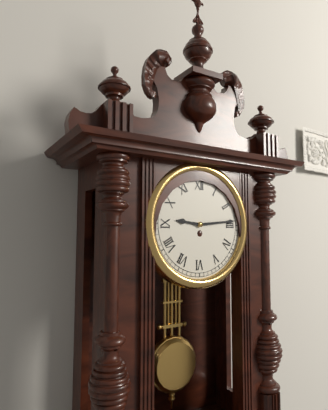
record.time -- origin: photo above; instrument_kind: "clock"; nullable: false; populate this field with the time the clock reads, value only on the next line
9:14
